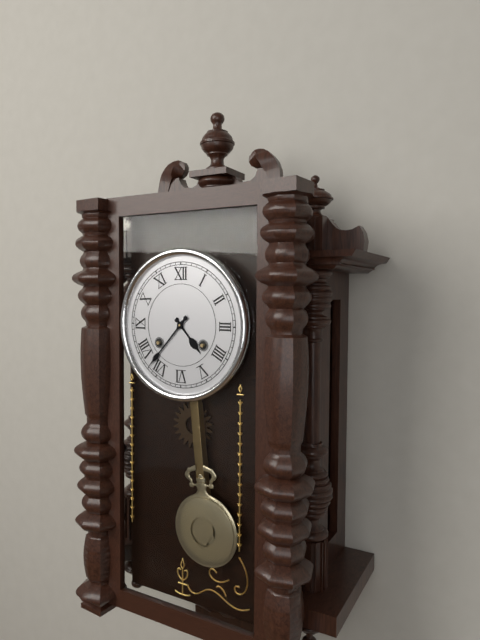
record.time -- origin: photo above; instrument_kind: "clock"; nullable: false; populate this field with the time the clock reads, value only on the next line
4:37
